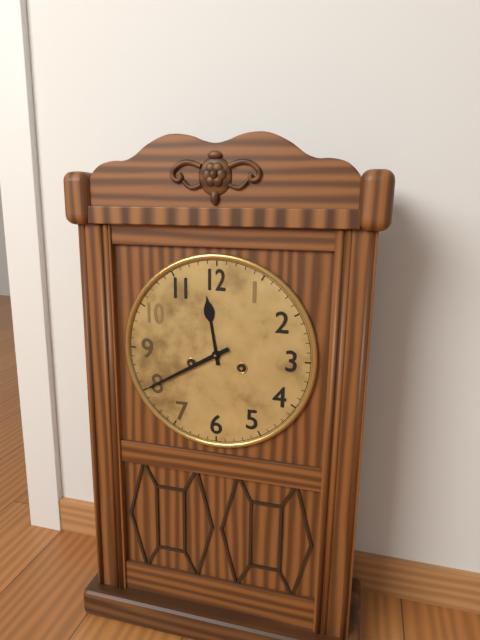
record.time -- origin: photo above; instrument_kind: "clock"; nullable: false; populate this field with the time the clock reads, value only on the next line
11:40
